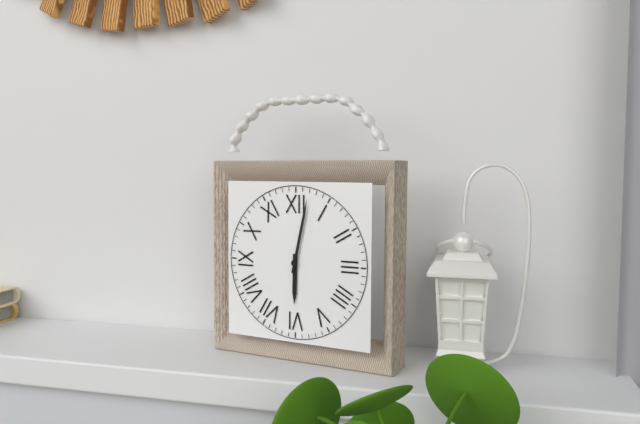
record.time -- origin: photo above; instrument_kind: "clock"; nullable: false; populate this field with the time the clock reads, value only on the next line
6:02
